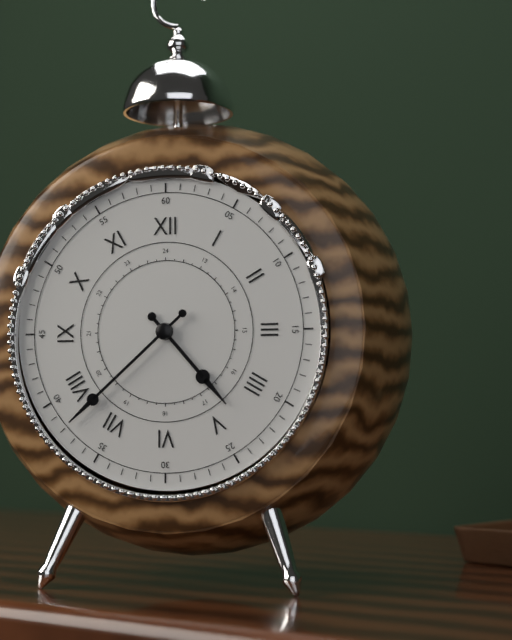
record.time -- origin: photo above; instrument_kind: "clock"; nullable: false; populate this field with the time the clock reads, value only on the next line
4:38
